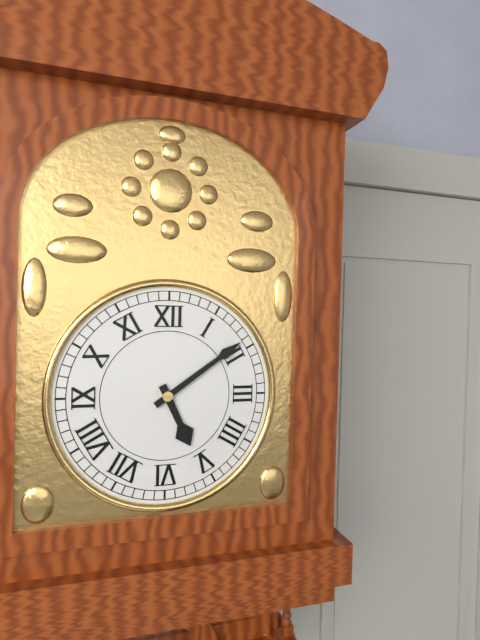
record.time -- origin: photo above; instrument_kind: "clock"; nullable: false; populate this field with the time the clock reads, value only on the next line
5:09
